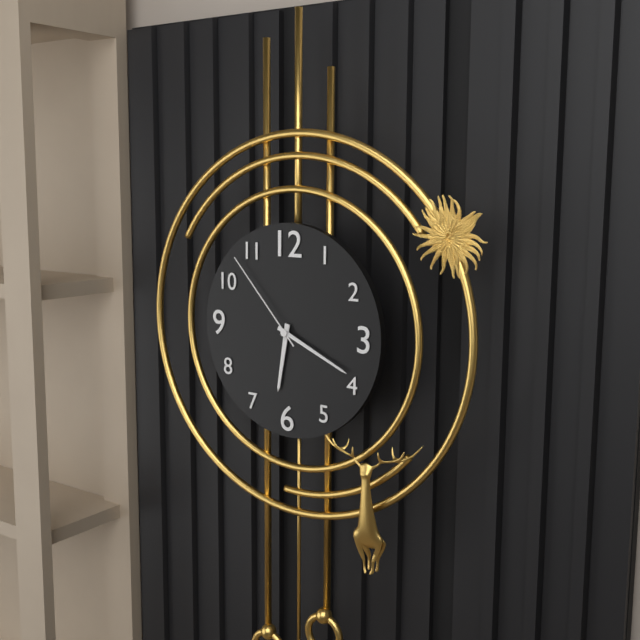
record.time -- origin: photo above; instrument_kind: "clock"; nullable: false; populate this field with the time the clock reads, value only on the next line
6:19:53
